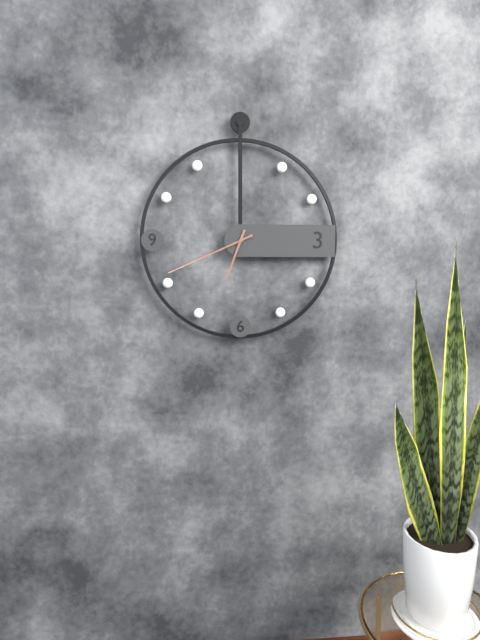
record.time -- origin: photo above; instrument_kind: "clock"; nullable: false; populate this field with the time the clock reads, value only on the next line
6:41
